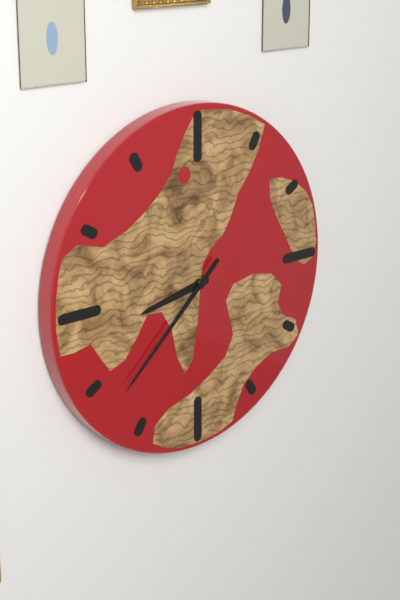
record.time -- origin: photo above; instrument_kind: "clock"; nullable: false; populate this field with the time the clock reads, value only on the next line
8:38
